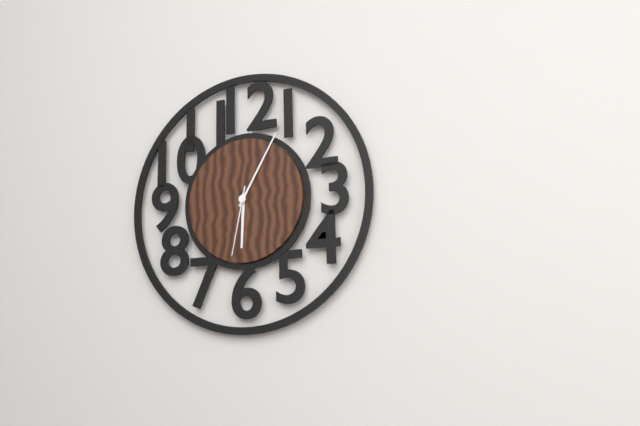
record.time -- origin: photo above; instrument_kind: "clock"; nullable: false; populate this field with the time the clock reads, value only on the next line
6:05:32
